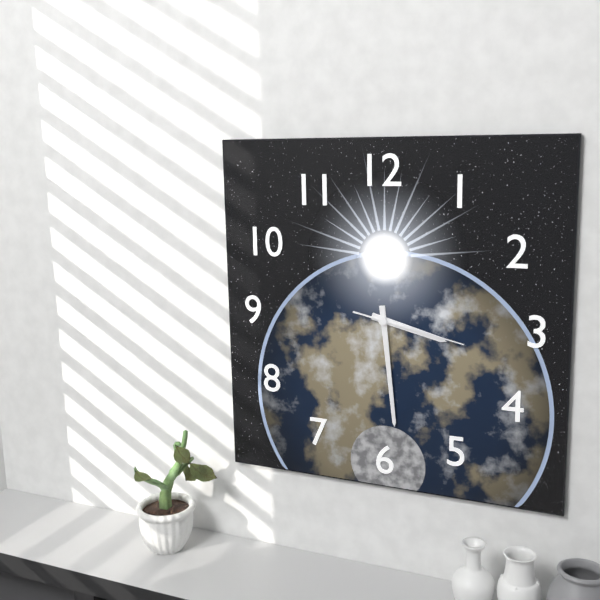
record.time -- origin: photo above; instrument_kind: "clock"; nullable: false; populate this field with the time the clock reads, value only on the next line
3:29:17
